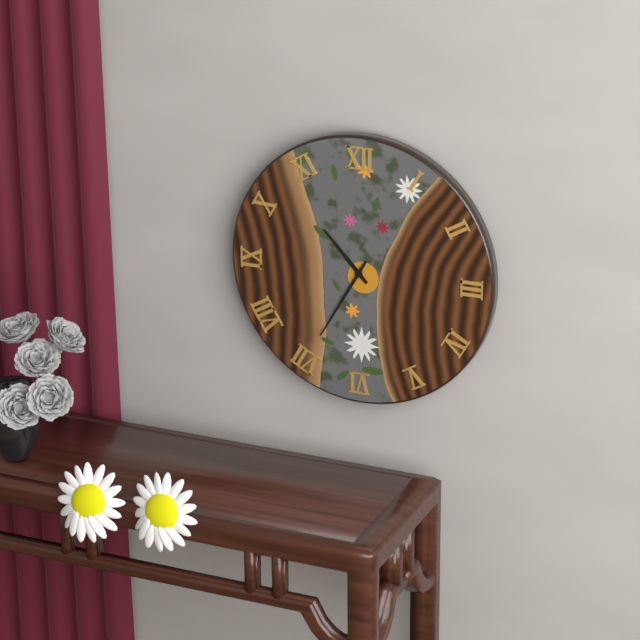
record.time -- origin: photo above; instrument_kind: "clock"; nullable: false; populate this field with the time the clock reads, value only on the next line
10:35
